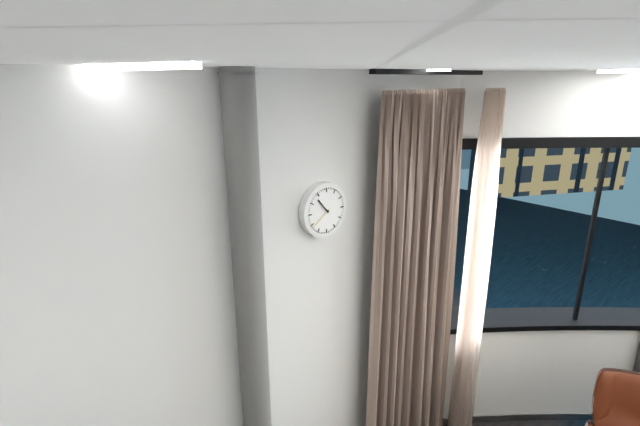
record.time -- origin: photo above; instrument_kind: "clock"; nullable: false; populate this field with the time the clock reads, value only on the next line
10:39
